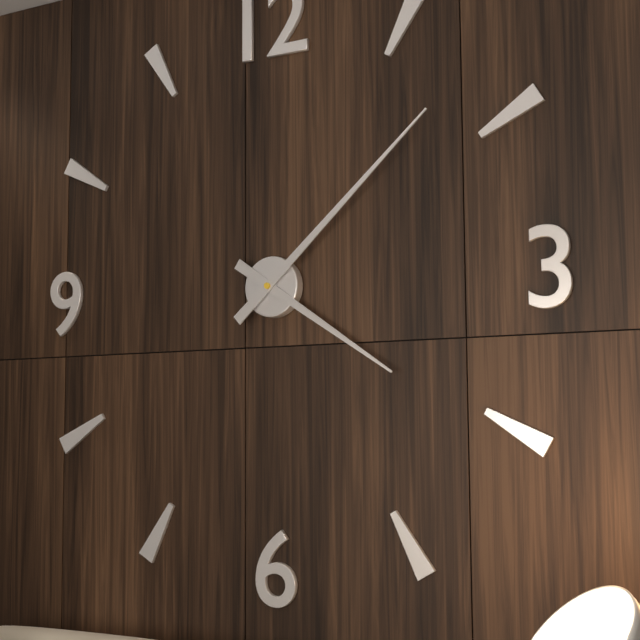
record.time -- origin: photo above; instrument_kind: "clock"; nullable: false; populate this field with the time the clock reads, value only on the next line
4:08
